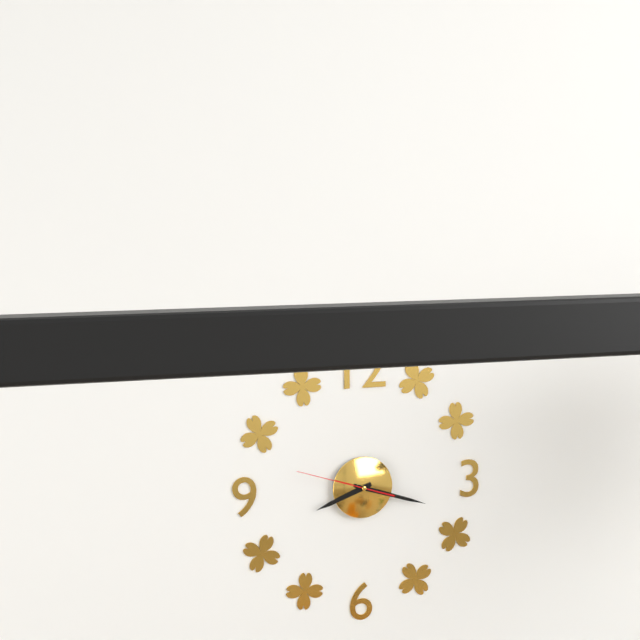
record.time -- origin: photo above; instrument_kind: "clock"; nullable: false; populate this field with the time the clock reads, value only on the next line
8:18:48
